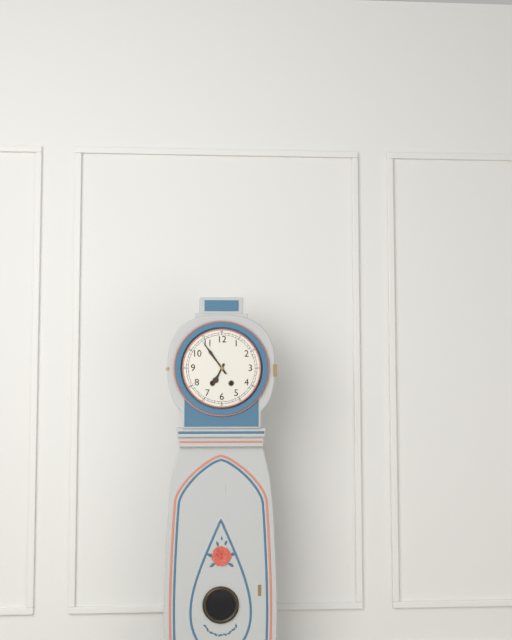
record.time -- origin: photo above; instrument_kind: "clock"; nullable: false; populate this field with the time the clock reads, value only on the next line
6:54
